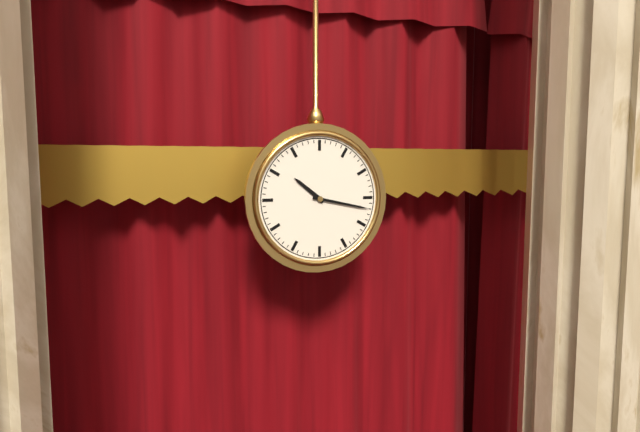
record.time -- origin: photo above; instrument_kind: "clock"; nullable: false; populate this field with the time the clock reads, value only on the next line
10:17
